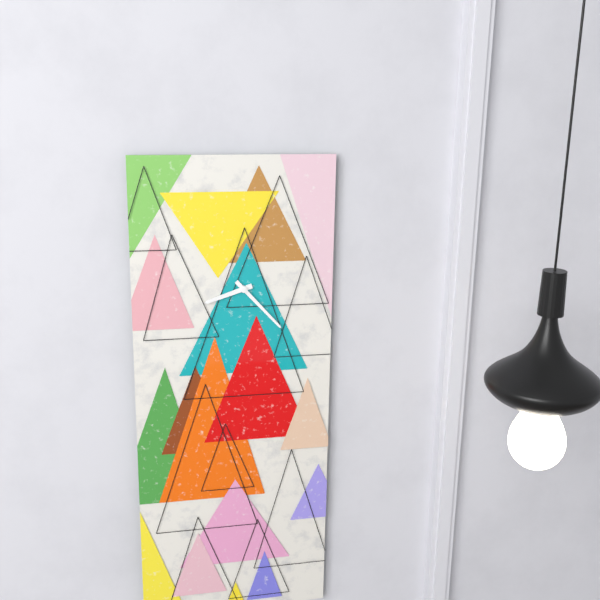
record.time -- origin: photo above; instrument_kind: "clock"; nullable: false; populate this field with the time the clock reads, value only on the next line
8:23
